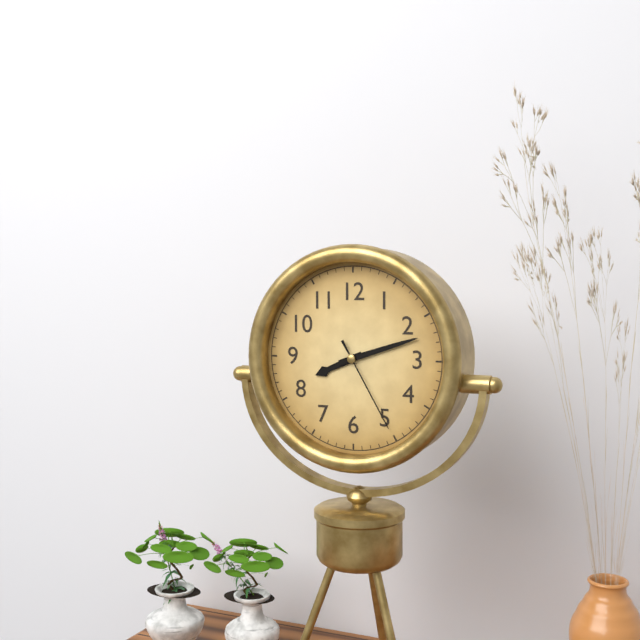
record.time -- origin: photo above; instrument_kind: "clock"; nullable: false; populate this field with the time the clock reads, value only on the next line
8:12:25
